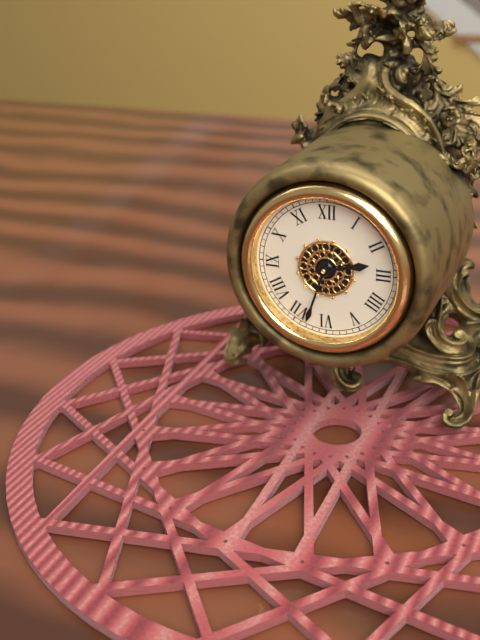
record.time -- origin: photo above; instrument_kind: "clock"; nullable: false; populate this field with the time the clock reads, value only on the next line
2:33
